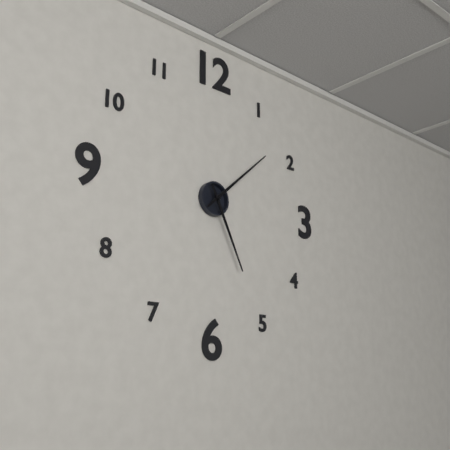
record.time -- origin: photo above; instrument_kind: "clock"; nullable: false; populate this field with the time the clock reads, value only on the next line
5:08
